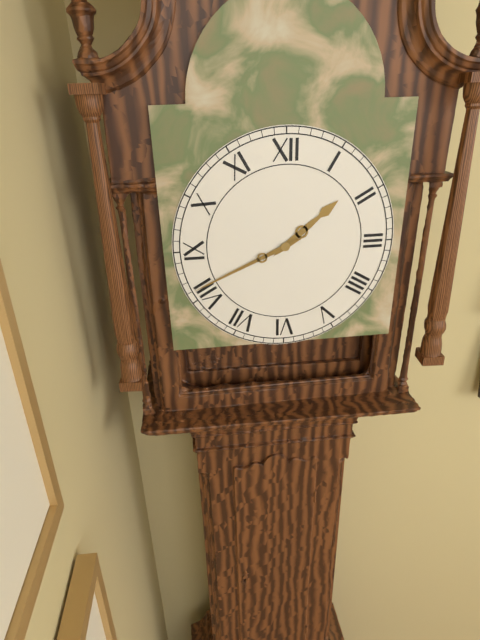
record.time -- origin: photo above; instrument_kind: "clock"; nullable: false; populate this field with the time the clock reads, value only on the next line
1:41
